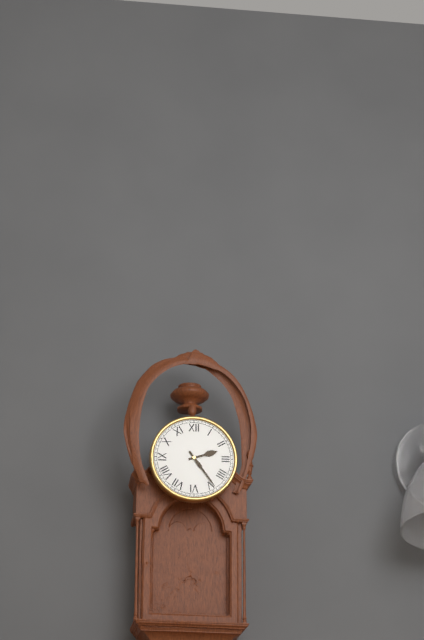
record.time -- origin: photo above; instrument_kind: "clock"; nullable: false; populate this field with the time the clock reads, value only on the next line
2:24
